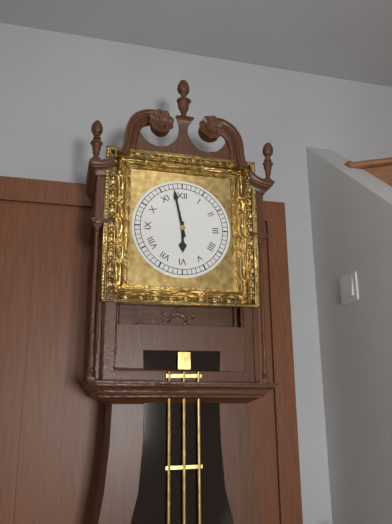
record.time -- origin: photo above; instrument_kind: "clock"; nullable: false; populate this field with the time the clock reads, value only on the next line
5:58
